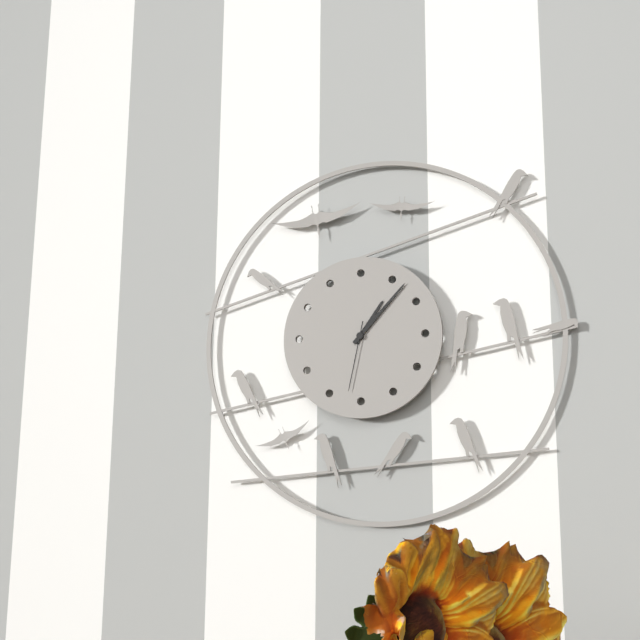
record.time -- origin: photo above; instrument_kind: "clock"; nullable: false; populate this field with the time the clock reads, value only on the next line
1:07:32
